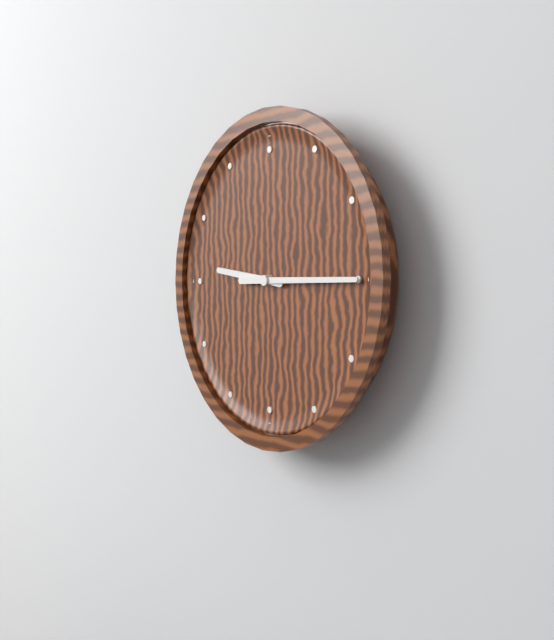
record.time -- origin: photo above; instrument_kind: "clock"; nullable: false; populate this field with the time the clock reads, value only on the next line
9:15
